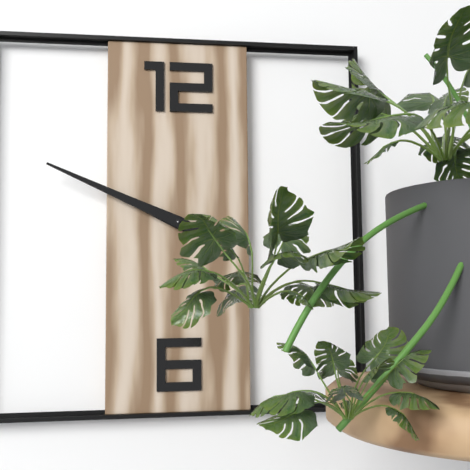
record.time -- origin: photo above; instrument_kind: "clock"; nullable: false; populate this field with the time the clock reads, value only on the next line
9:49
